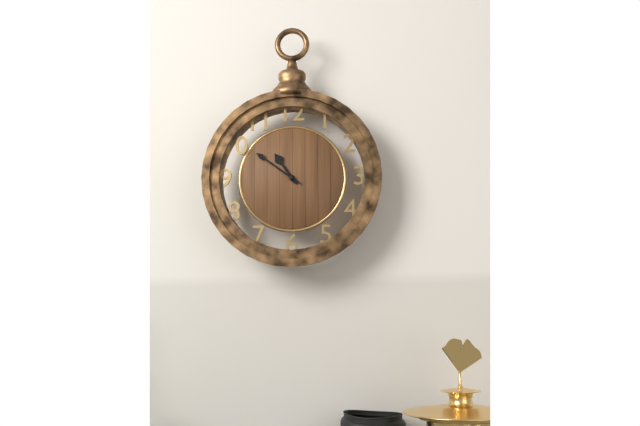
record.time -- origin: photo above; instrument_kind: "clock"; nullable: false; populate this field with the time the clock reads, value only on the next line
10:51
